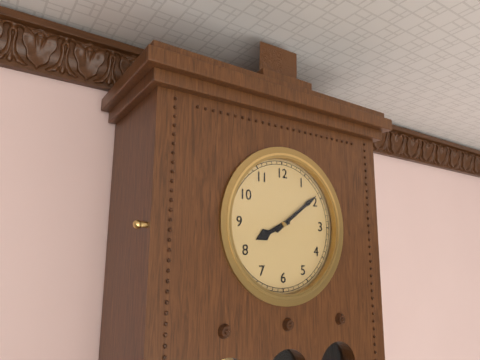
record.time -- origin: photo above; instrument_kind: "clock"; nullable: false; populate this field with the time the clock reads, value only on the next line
8:09
